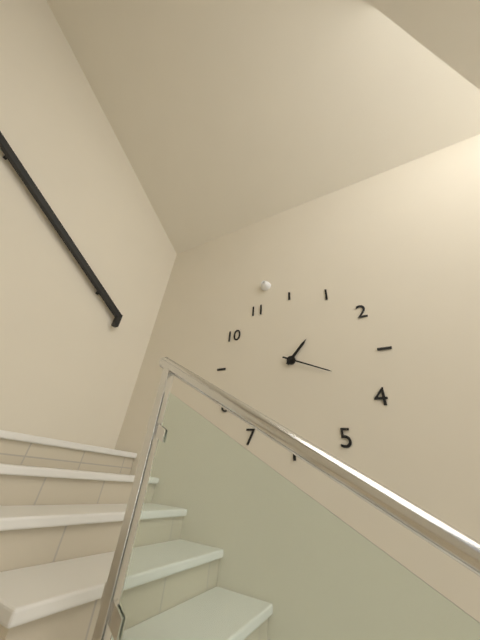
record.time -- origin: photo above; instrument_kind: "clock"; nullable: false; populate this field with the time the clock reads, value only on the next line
1:19
